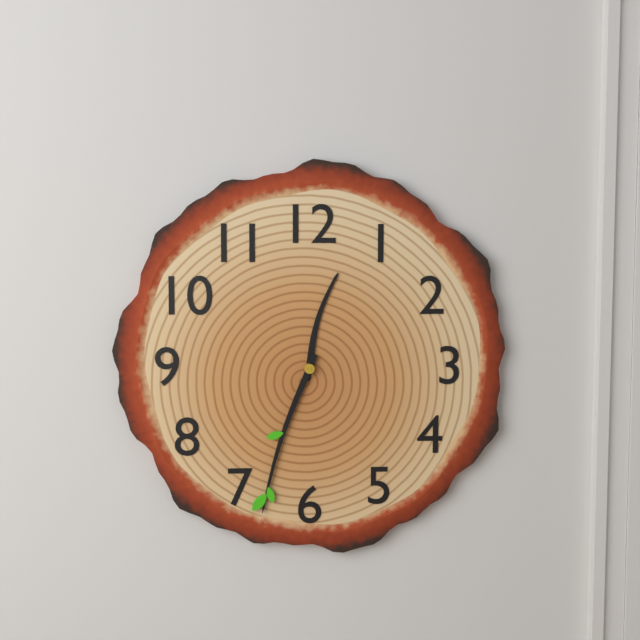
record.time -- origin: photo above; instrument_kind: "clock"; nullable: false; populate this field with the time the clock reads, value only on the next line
12:33
